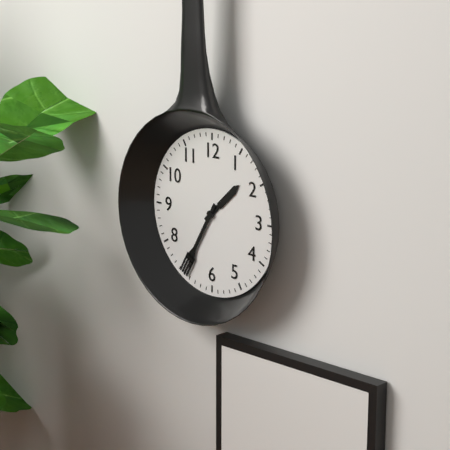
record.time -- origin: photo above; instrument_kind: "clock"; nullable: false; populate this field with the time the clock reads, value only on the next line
1:35
